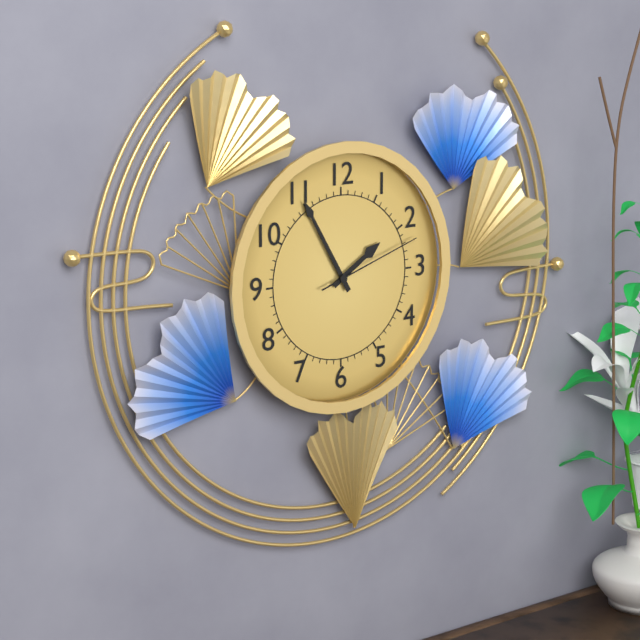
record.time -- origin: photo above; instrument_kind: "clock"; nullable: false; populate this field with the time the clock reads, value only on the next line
1:55:12
